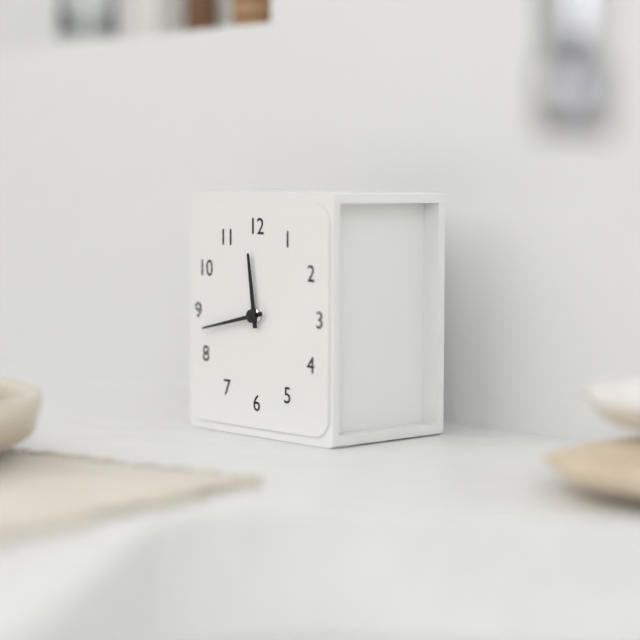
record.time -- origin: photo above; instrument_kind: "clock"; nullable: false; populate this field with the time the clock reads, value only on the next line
11:43
